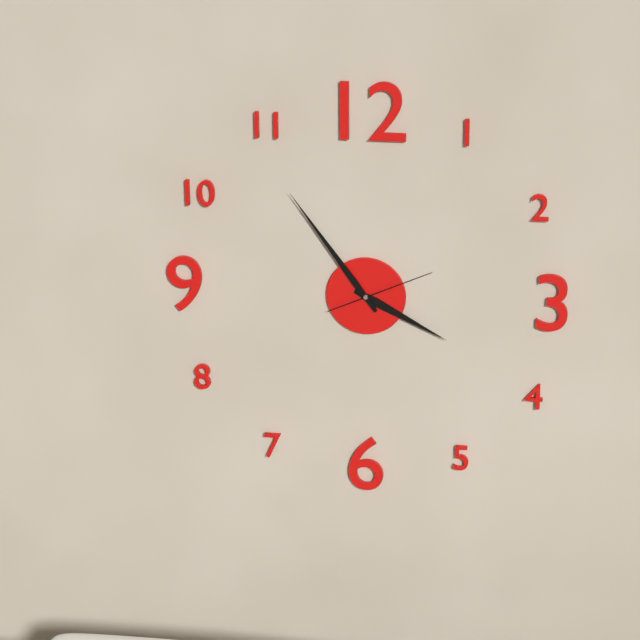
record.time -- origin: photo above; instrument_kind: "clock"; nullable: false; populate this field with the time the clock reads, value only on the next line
3:54:11
